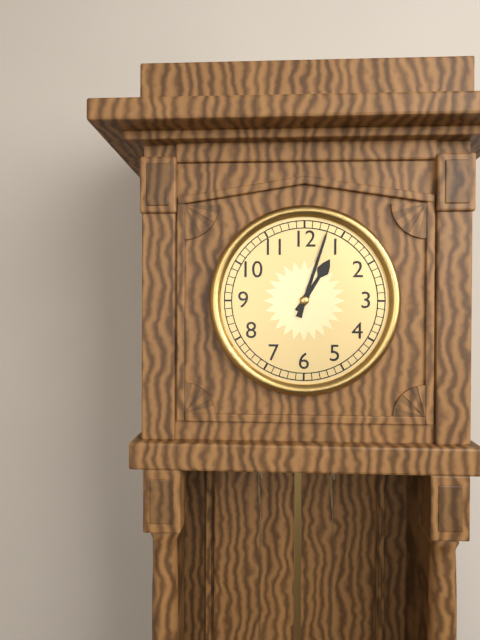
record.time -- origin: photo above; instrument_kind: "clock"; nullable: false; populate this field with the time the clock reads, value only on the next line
1:03
